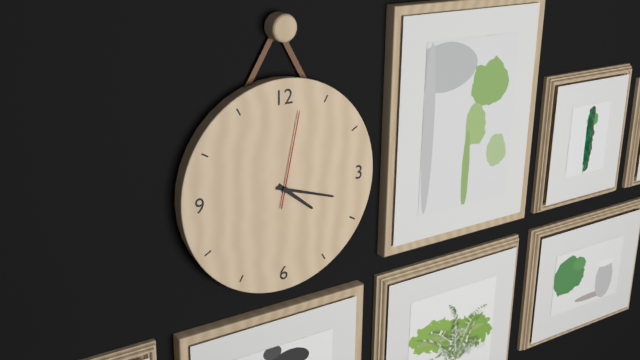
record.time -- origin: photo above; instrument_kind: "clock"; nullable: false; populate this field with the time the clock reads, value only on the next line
4:18:02
